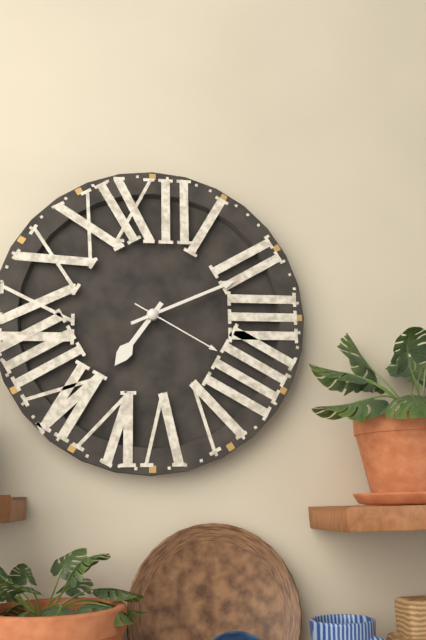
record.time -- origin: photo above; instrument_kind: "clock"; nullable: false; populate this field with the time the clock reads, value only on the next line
7:11:20
